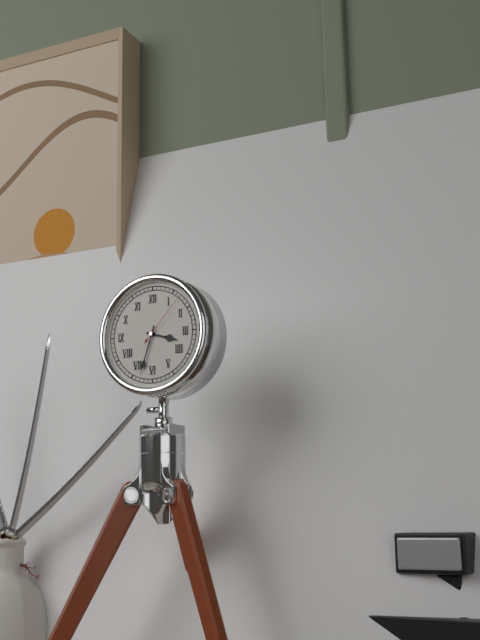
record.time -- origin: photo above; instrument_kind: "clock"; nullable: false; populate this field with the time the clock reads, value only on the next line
3:33:07
